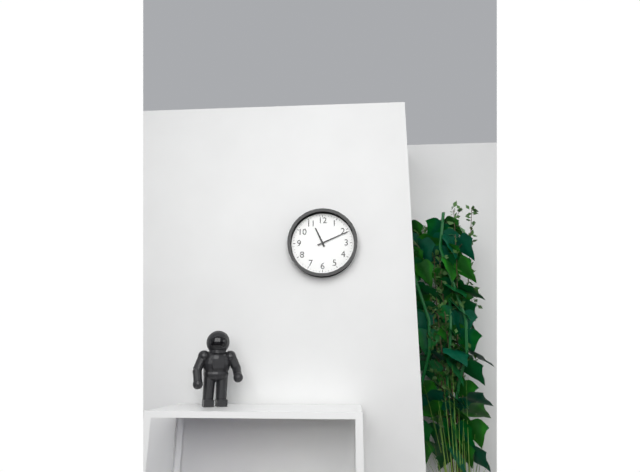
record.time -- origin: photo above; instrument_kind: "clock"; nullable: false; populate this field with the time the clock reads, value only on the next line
11:11
